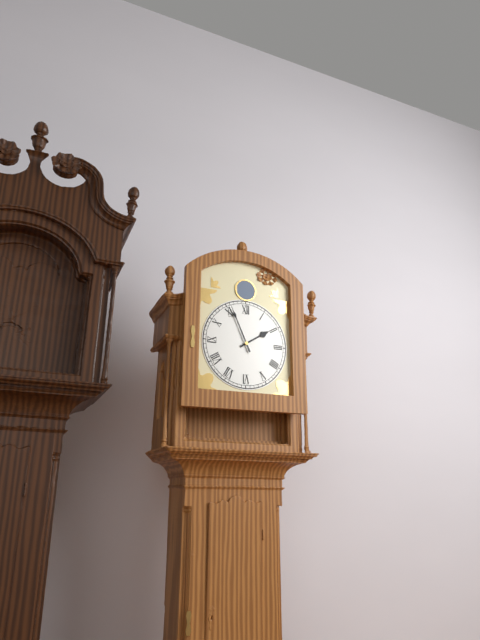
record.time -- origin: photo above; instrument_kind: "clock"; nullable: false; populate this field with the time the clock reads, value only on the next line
1:56
